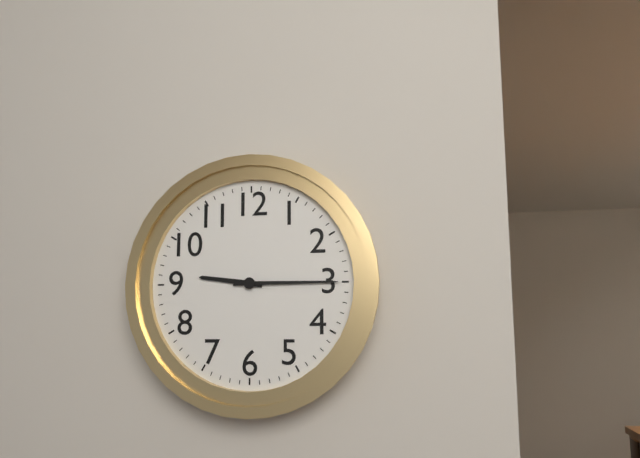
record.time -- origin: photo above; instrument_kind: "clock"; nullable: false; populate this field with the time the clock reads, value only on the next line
9:15
